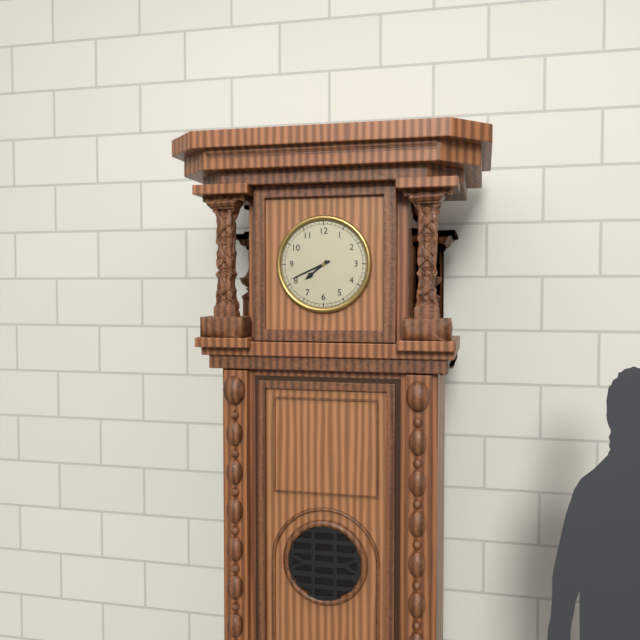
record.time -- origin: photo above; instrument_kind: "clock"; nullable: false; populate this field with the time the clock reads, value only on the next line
7:41
